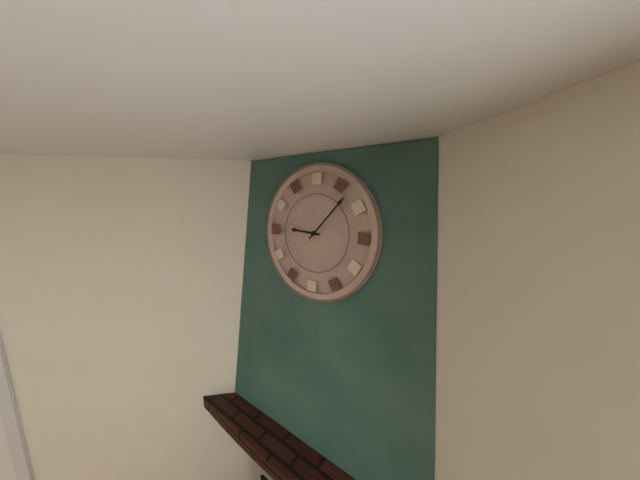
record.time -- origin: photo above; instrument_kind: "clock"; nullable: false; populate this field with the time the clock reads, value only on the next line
9:07
